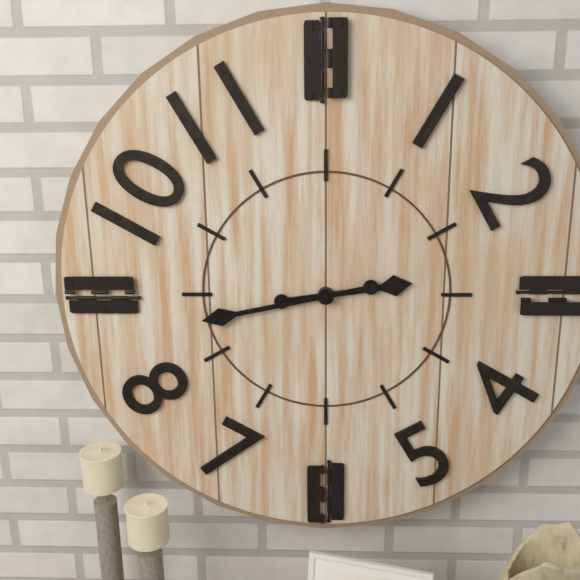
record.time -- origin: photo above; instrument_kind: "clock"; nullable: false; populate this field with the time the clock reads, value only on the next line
2:43
